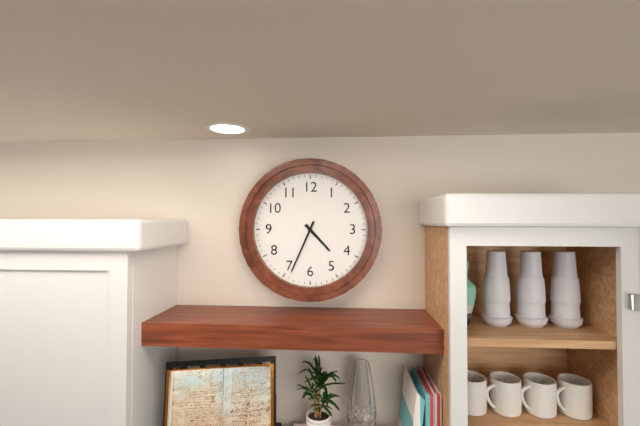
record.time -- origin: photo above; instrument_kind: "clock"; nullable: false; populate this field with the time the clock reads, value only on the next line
4:34
